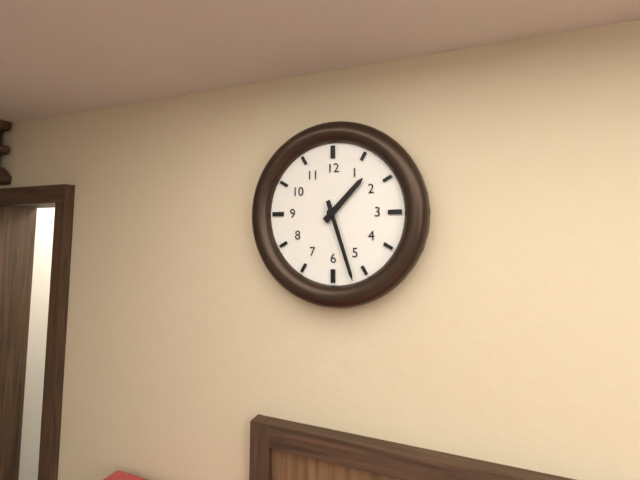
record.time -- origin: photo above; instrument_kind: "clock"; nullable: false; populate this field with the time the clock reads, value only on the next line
1:27
